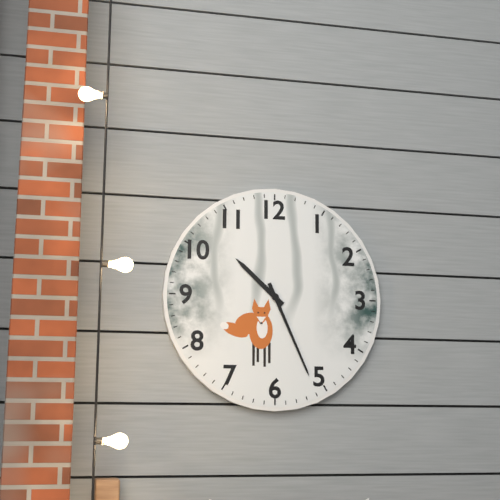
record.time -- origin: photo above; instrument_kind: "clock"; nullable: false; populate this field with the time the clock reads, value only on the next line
10:26
